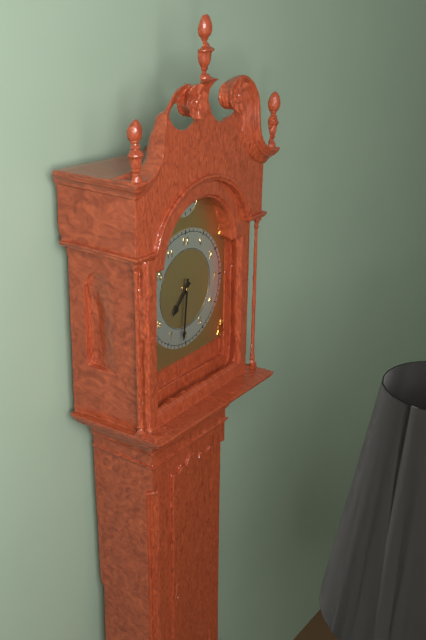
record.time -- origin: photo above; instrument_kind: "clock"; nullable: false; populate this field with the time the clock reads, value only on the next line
7:31
